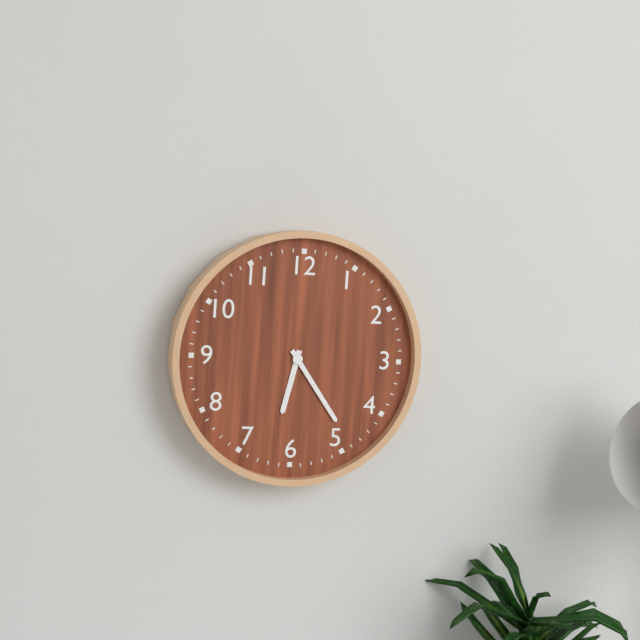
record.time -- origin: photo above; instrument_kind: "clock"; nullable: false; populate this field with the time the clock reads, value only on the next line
6:24
